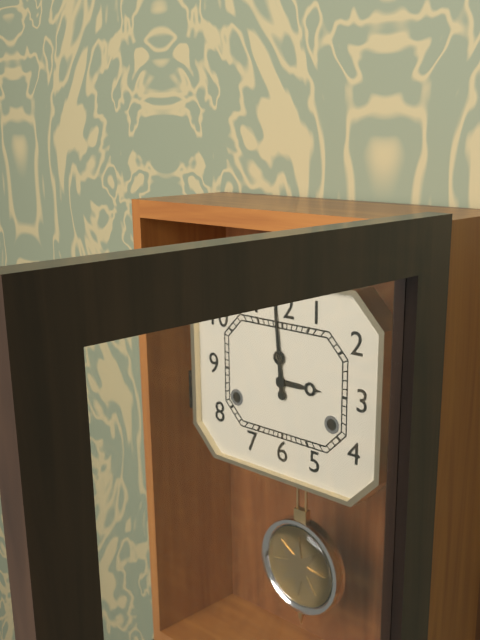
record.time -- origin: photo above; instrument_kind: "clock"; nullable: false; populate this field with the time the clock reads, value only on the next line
2:59
